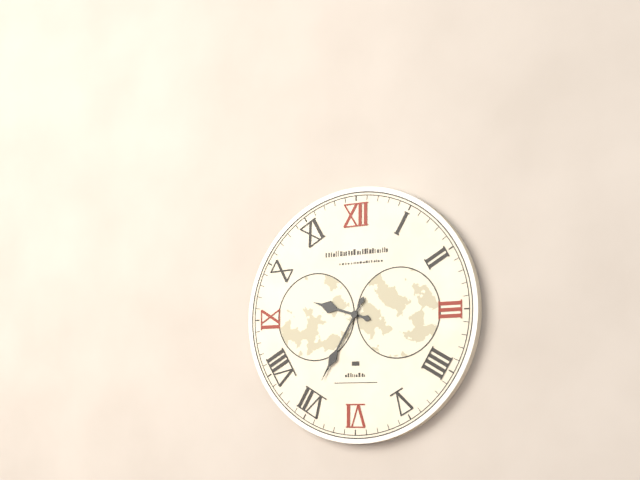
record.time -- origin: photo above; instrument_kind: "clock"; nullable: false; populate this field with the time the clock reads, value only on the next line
9:35
